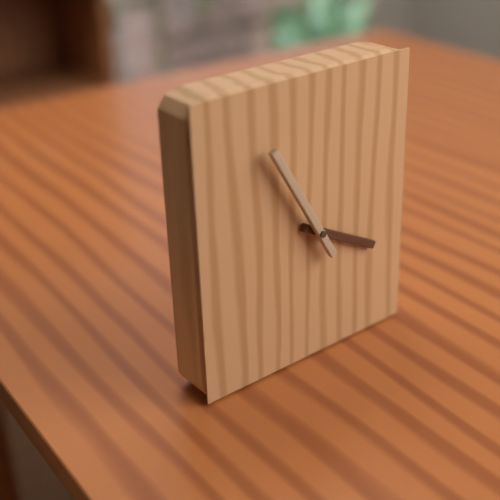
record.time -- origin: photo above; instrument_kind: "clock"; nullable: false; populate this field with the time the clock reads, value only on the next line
3:55
